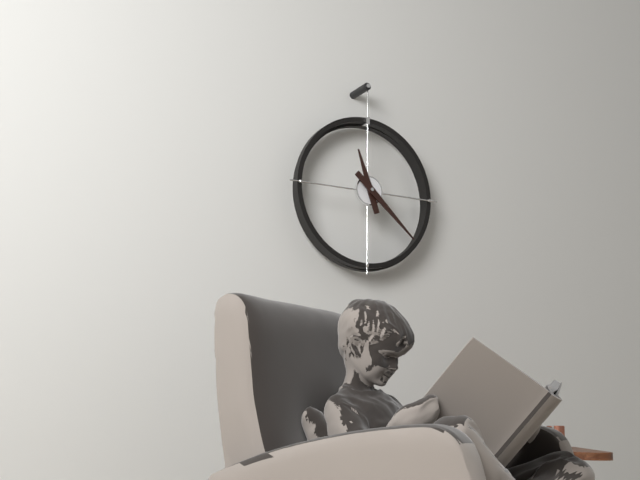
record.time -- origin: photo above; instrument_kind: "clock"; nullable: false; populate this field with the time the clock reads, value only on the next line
11:22
